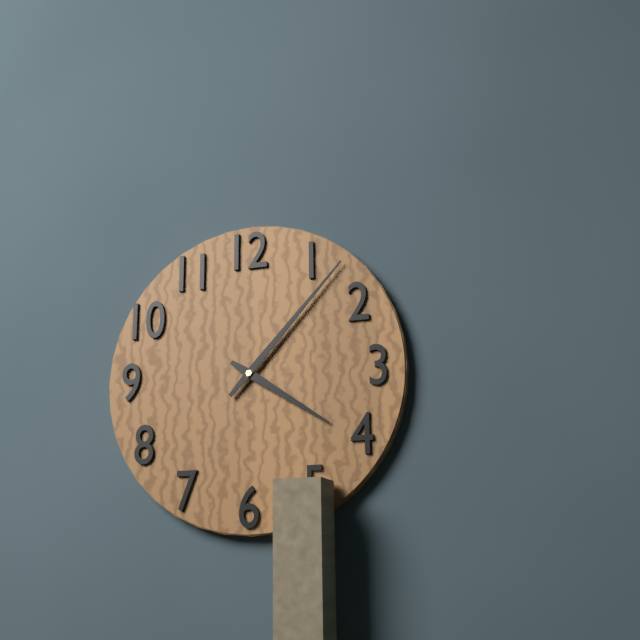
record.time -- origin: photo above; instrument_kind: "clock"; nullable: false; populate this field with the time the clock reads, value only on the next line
4:07
